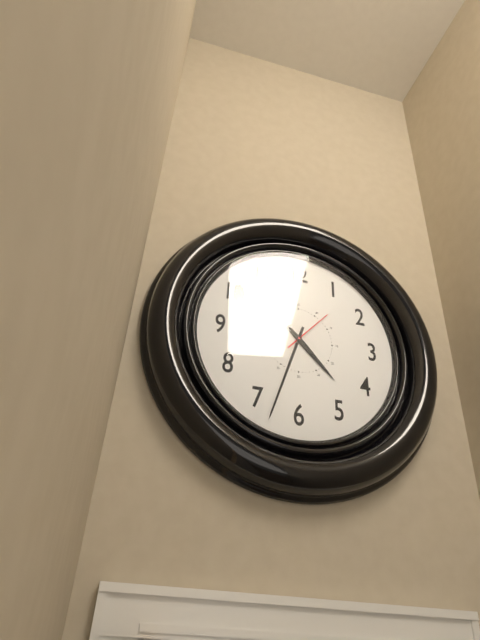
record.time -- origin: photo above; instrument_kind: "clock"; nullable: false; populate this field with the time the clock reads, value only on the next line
4:33
